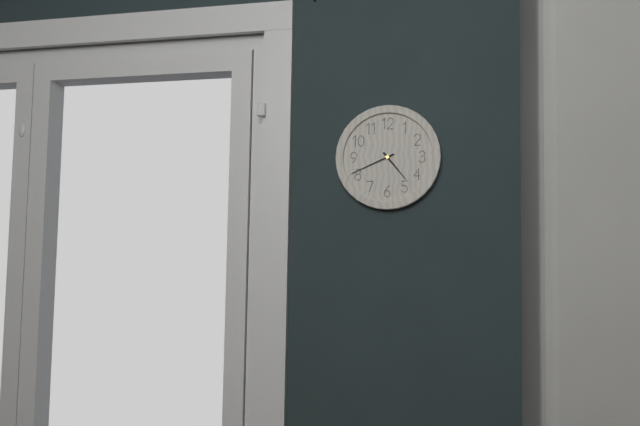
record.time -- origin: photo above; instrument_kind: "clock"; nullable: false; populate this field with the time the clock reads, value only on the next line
4:41
